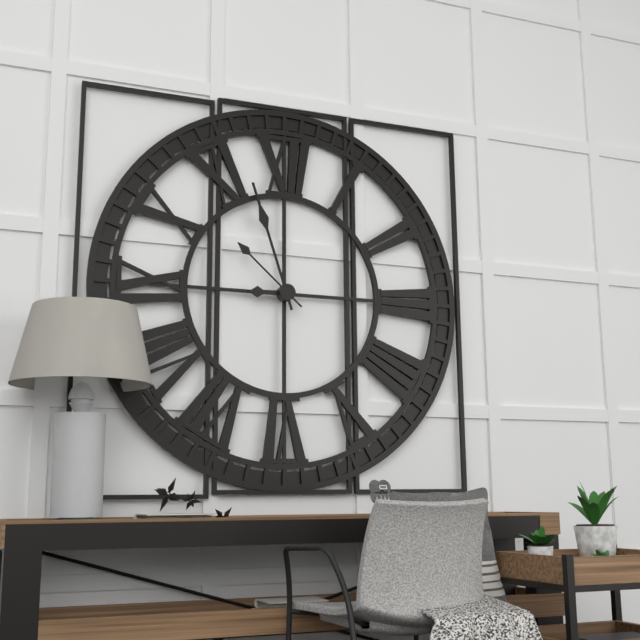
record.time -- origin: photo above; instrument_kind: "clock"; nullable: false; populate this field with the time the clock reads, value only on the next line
8:57:52
